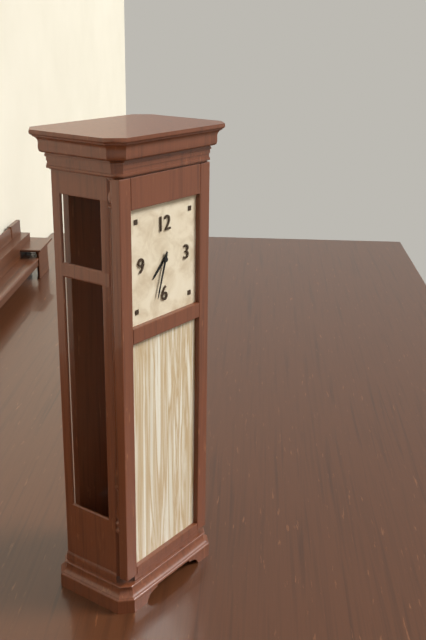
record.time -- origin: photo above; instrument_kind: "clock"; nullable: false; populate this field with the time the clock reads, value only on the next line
7:33
